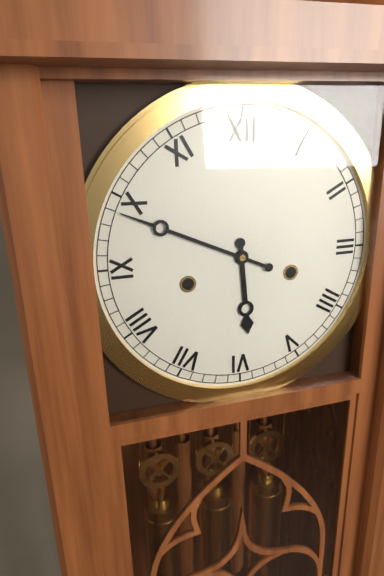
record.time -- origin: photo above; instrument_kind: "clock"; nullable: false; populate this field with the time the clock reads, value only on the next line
5:49
